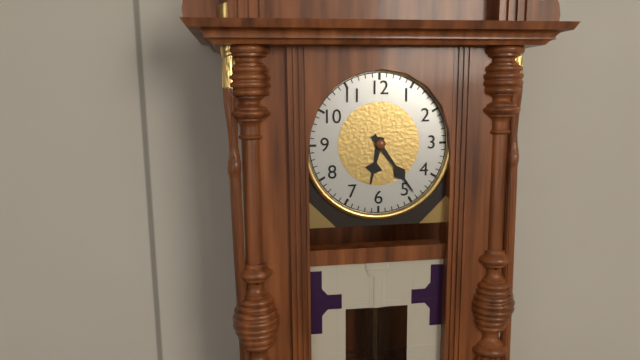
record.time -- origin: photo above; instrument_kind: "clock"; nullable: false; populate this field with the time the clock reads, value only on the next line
6:24
